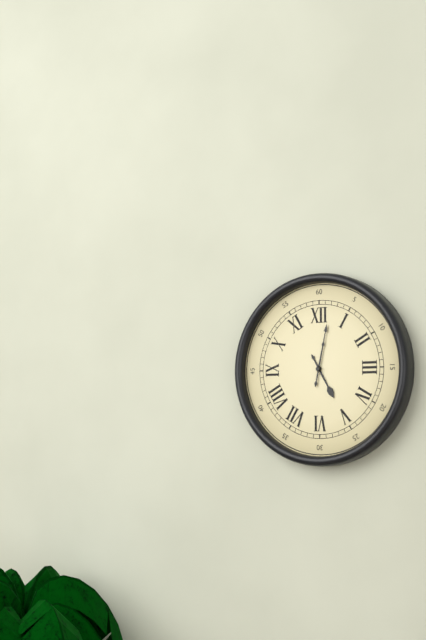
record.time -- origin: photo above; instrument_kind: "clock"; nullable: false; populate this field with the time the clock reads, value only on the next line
5:02
